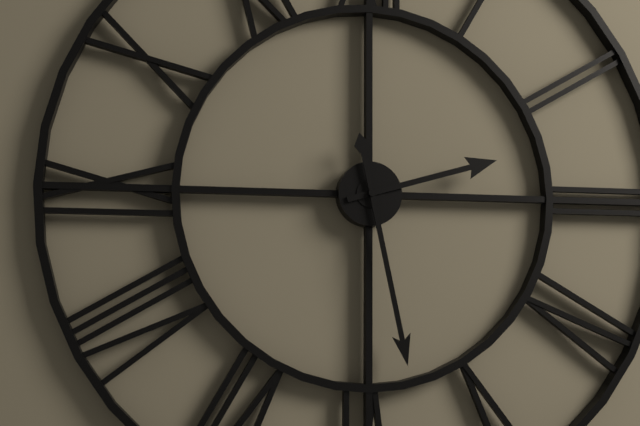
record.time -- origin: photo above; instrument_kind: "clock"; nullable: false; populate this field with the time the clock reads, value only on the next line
2:28
